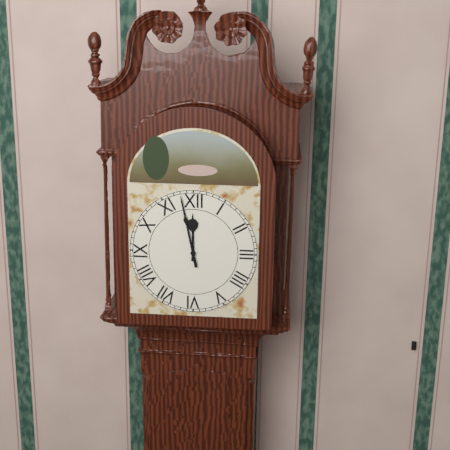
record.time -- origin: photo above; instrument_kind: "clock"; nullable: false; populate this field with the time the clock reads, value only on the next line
11:58
